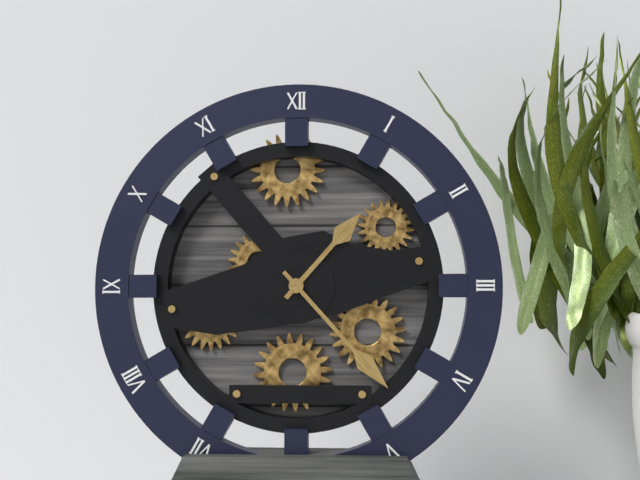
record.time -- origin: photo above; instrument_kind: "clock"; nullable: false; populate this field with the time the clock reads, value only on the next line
1:23
